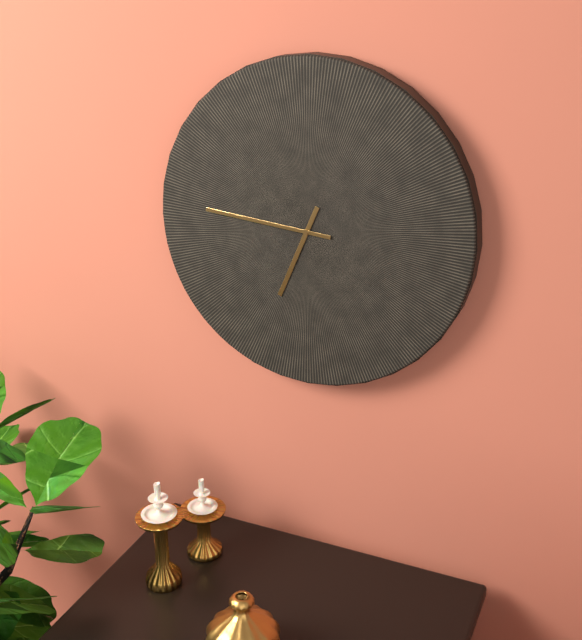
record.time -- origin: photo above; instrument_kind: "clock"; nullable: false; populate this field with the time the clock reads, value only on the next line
6:46
